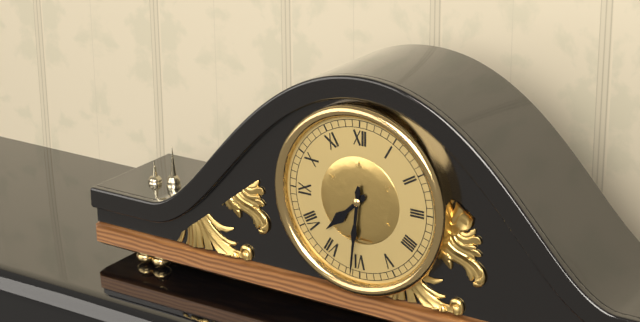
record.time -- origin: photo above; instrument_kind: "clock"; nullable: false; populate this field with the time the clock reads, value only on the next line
7:31
